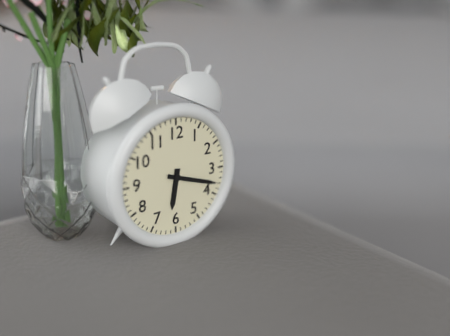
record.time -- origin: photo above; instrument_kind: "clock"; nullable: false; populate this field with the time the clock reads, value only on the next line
6:18
